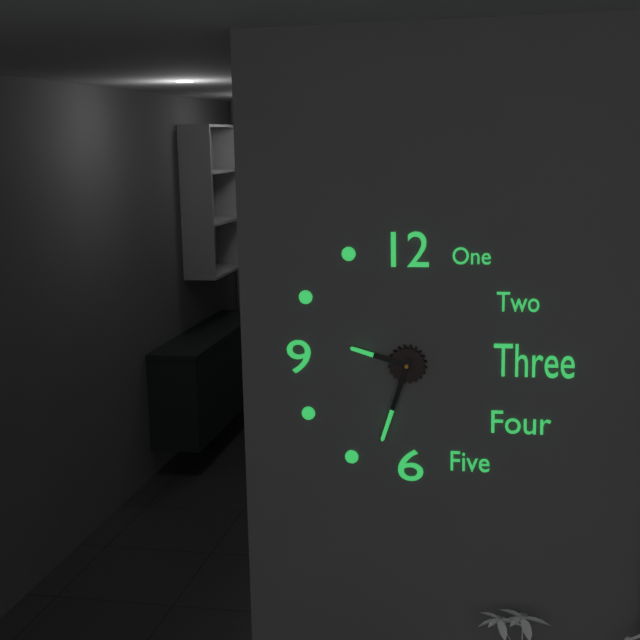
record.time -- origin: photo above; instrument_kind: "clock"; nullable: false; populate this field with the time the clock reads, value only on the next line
9:33
